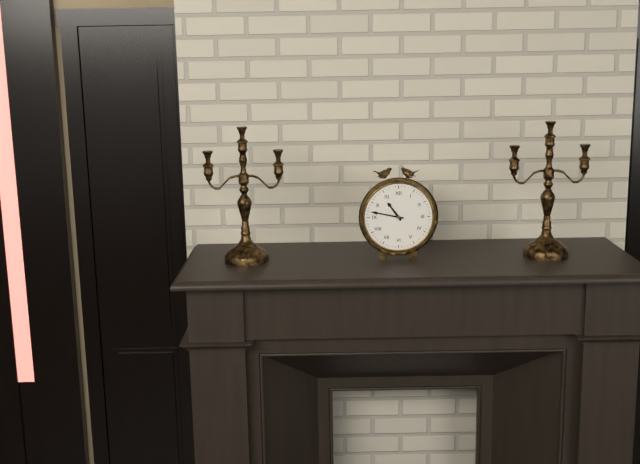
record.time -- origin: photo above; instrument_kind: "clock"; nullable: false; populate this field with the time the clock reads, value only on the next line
10:47
